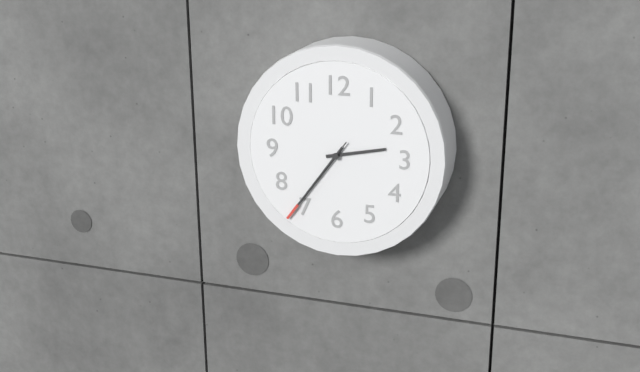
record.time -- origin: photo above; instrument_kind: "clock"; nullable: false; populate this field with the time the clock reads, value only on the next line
2:36:36
